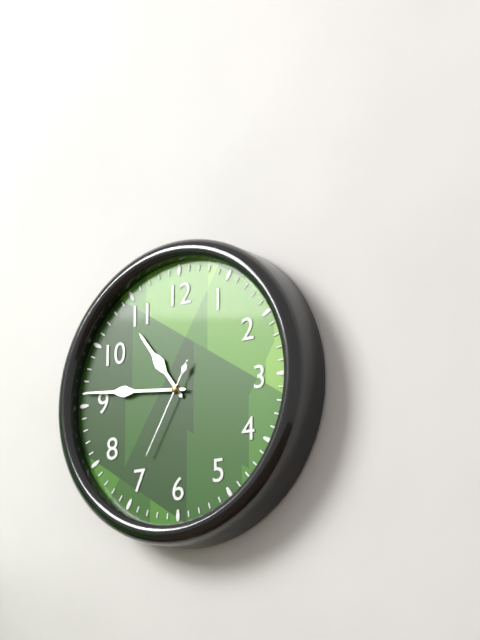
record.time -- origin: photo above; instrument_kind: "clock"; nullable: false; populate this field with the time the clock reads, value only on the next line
10:46:35
